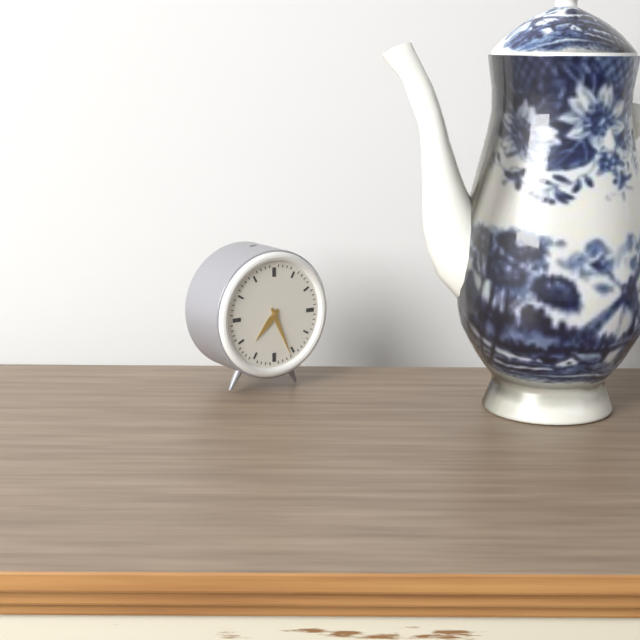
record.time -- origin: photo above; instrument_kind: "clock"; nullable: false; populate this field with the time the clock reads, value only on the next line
7:26
